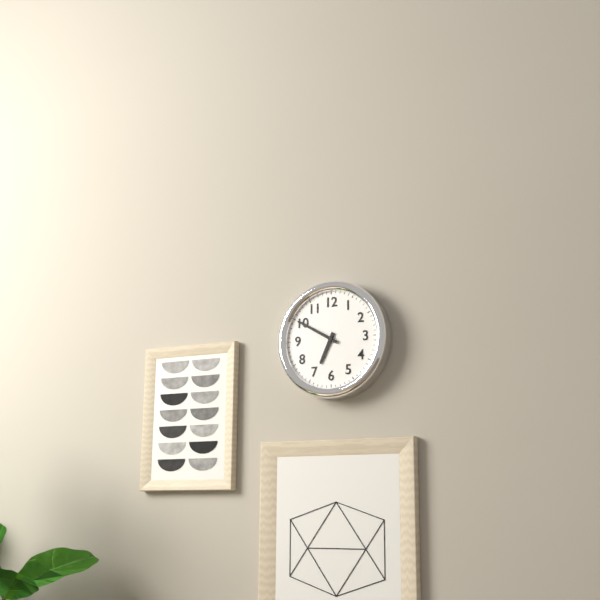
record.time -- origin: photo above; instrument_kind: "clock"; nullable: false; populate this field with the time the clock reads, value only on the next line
6:50
